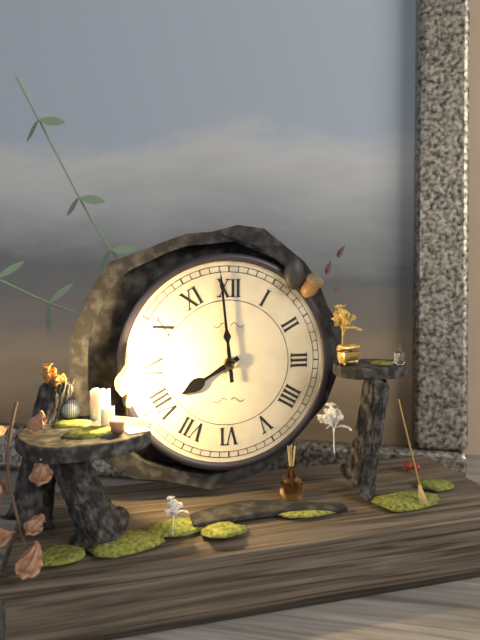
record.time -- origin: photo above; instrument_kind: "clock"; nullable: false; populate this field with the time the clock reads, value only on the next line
7:59
